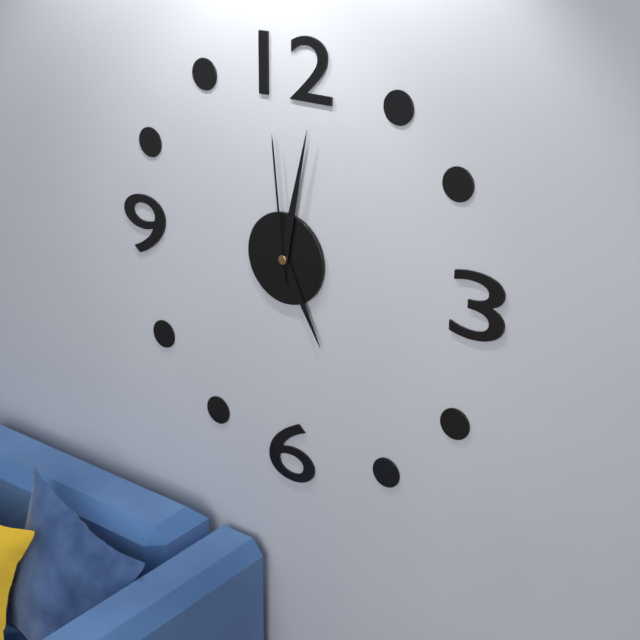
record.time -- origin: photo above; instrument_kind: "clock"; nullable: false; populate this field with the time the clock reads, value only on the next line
5:02:59
